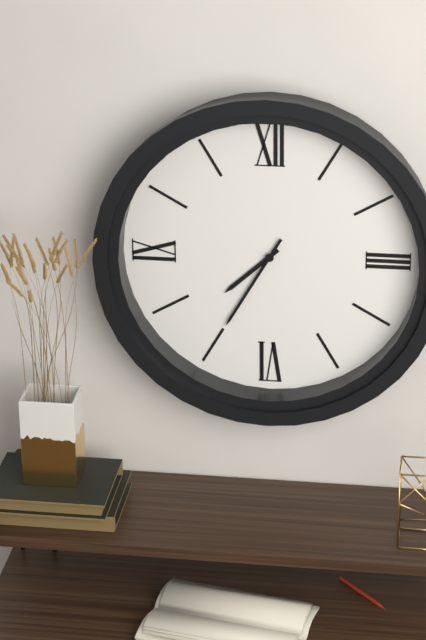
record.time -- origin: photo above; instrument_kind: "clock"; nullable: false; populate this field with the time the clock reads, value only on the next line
7:35
